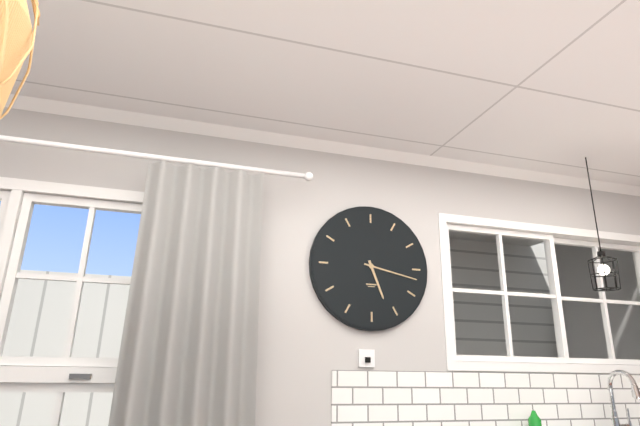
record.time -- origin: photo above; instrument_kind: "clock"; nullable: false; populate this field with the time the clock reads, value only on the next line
5:17
